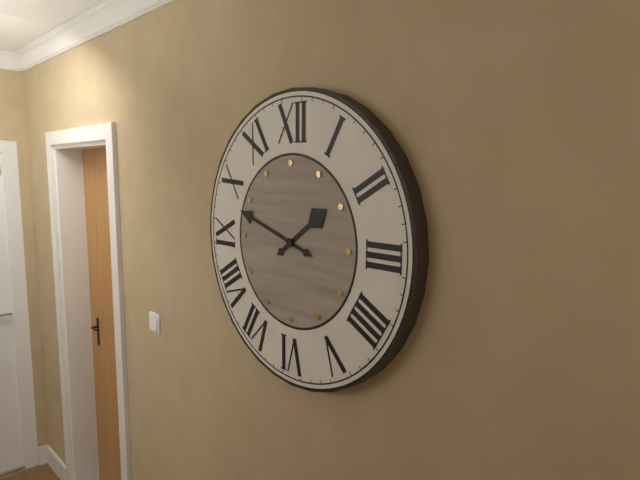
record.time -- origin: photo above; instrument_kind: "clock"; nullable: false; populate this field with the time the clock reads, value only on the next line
1:48
